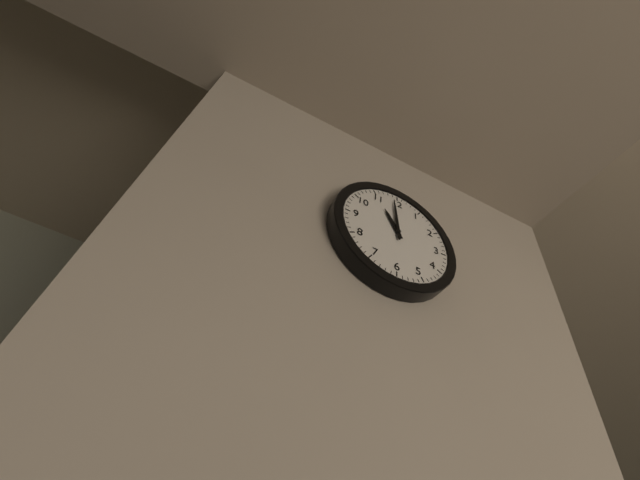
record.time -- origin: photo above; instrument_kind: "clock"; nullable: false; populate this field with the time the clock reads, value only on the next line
10:59
